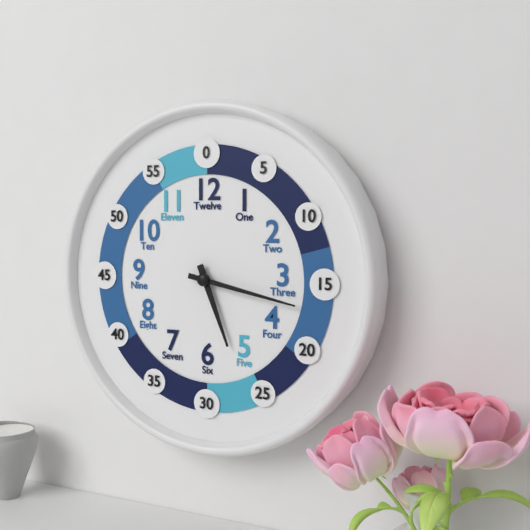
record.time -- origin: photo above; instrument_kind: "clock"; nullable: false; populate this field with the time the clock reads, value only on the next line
5:17
